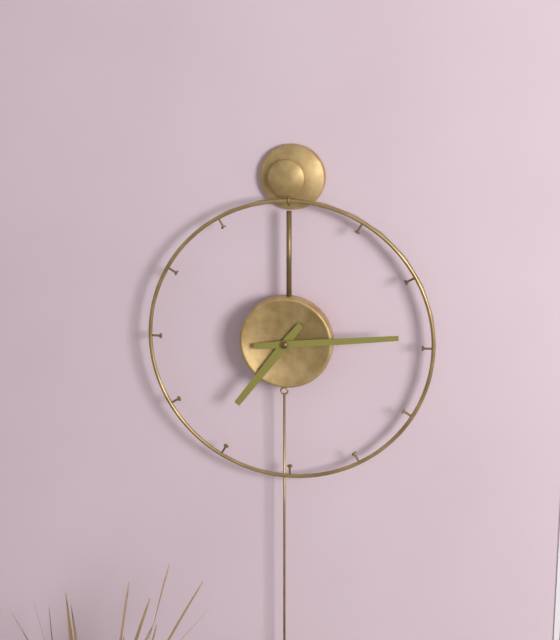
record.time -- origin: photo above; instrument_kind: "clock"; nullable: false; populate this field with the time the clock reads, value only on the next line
7:14
